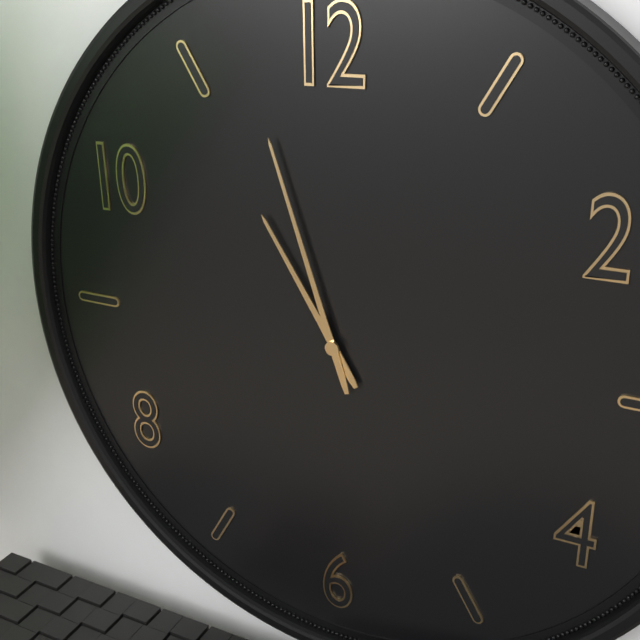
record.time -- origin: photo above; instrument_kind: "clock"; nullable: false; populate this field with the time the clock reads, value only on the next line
10:57
